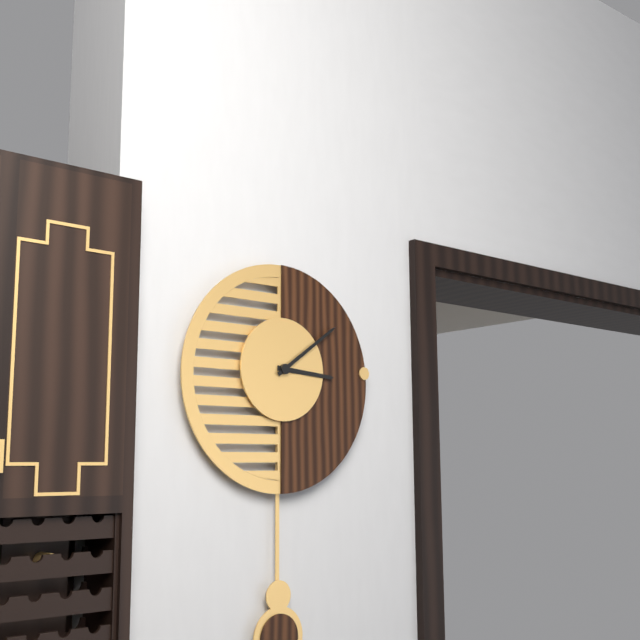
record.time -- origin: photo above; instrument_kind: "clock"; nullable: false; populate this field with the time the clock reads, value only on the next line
3:09
